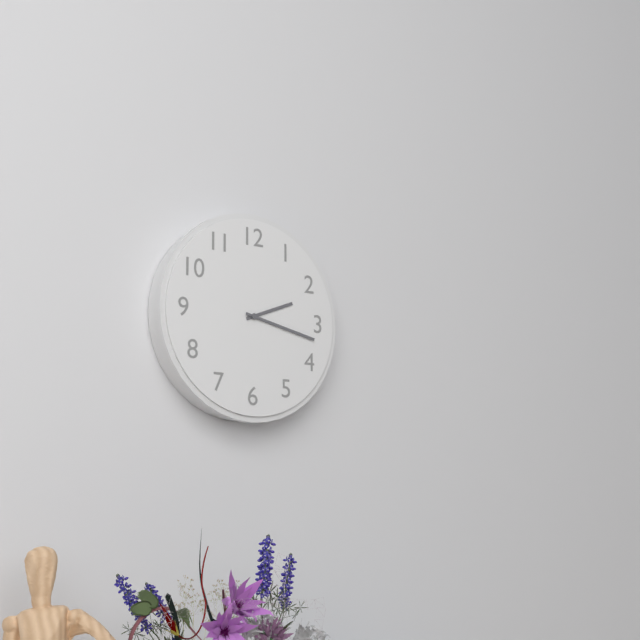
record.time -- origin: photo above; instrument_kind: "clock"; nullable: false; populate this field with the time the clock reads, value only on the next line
2:17
